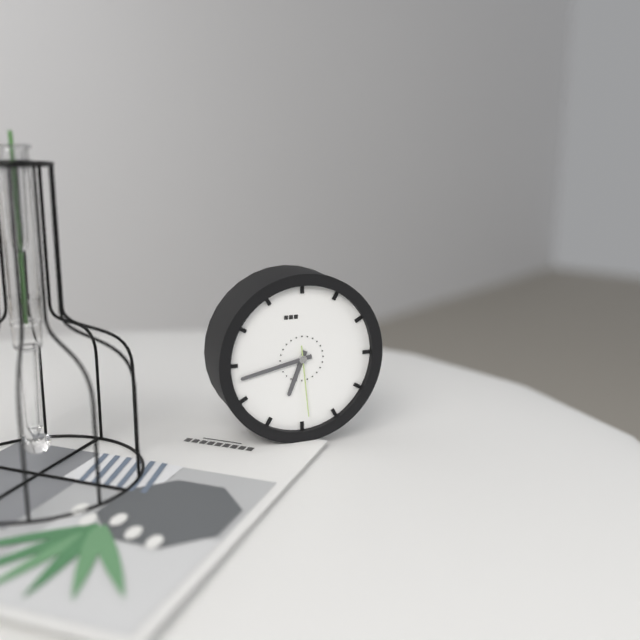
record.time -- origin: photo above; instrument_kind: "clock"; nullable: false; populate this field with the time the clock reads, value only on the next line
6:43:29
